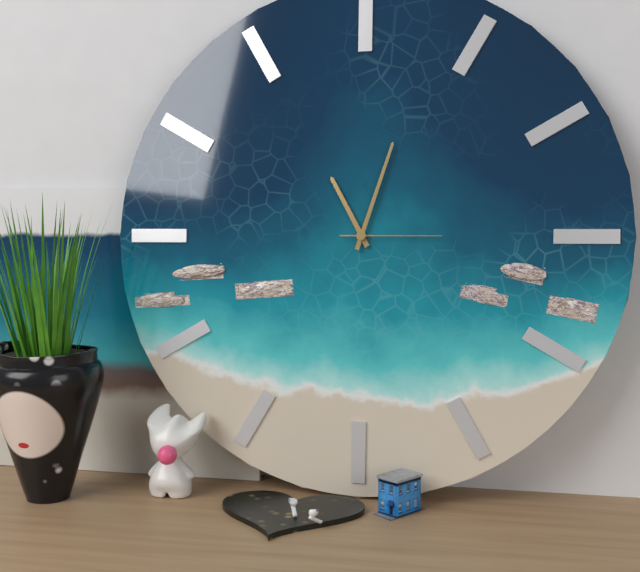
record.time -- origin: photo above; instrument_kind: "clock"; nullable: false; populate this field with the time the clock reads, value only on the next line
11:03:15
